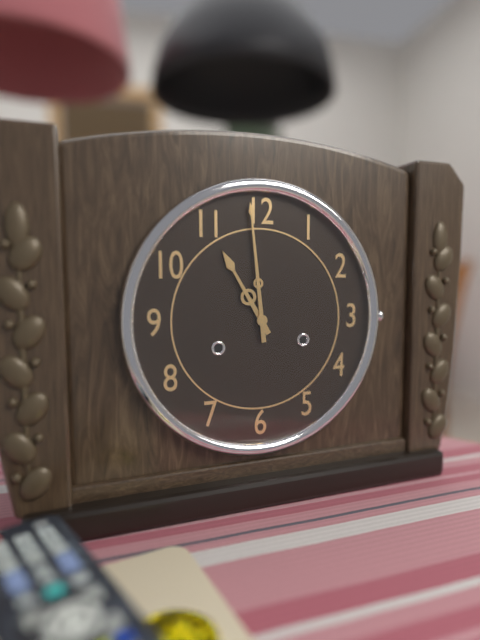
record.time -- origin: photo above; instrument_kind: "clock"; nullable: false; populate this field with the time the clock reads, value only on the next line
10:59
